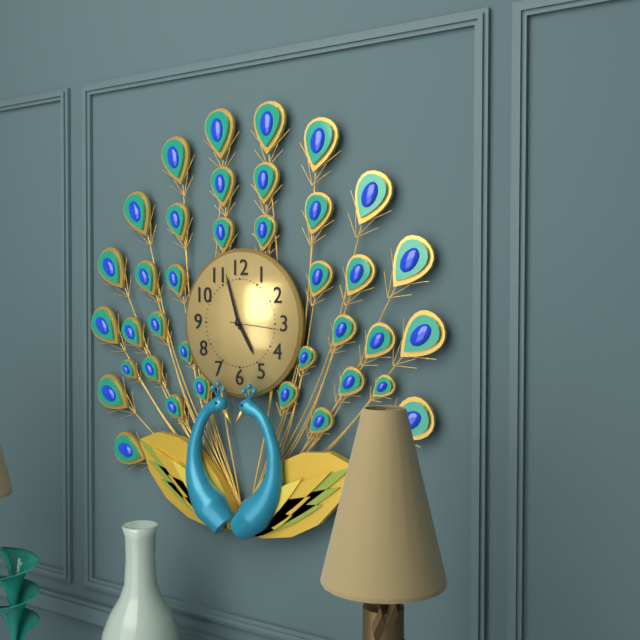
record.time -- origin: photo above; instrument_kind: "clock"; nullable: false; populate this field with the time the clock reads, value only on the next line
4:57
